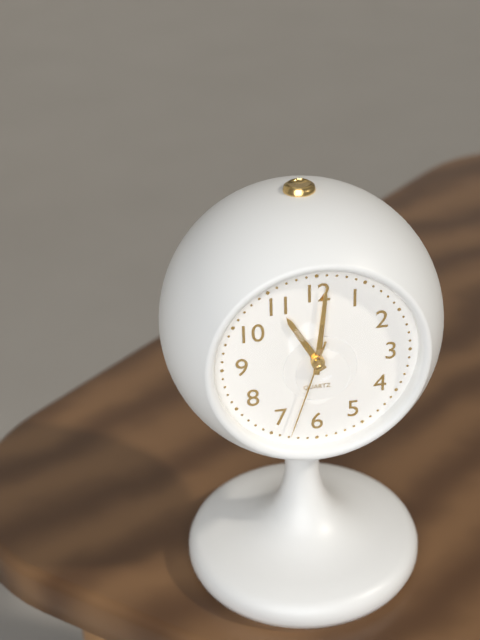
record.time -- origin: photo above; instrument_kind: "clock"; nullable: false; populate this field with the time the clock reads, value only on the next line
11:01:33
